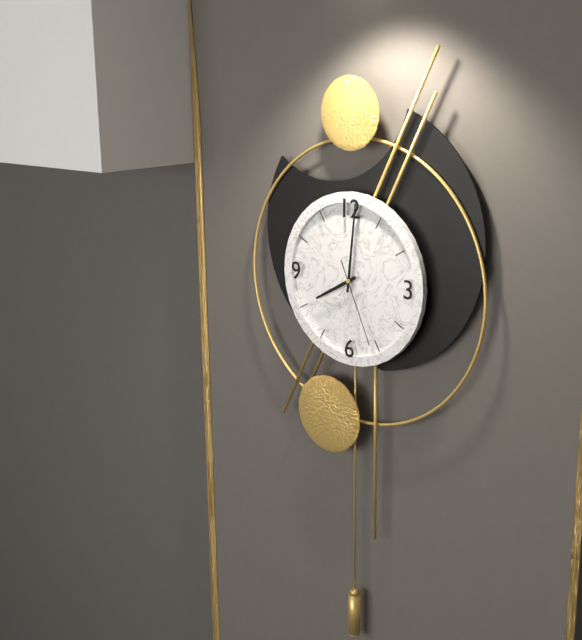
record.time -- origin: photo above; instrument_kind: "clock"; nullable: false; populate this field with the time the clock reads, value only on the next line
8:01:26
